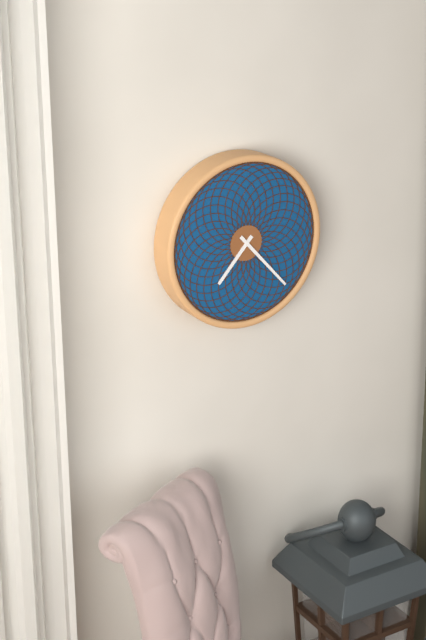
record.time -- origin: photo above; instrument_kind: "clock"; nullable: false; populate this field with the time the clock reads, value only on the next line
7:23
